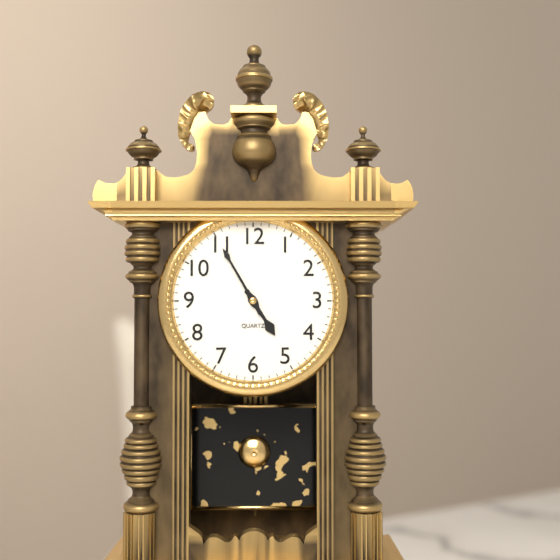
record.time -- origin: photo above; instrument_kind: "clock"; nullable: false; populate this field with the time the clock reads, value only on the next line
4:55
